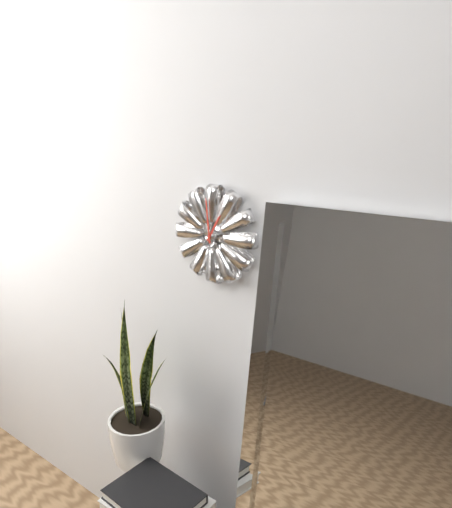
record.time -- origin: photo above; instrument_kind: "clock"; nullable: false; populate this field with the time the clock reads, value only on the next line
12:59
